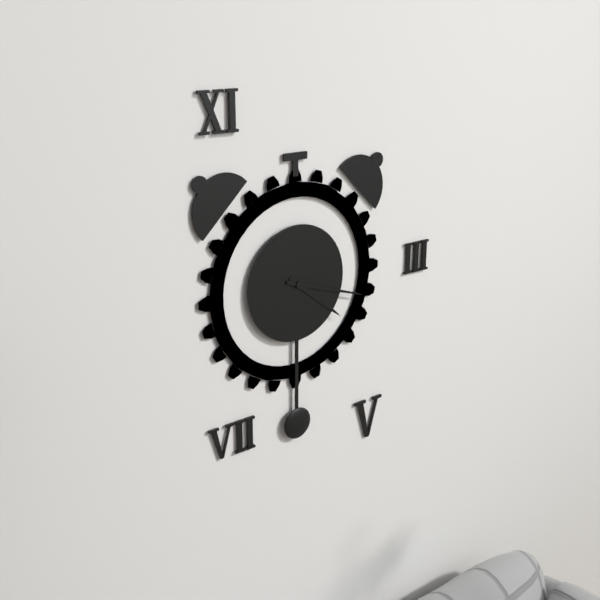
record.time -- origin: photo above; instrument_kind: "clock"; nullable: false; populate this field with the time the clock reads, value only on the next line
4:18
